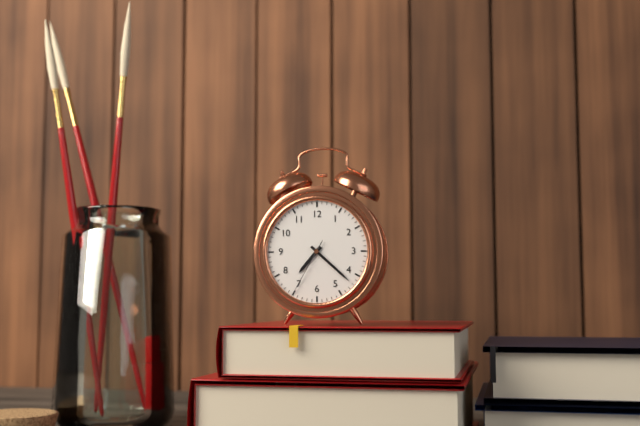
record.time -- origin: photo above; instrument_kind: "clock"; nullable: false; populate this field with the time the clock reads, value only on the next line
7:22:35
